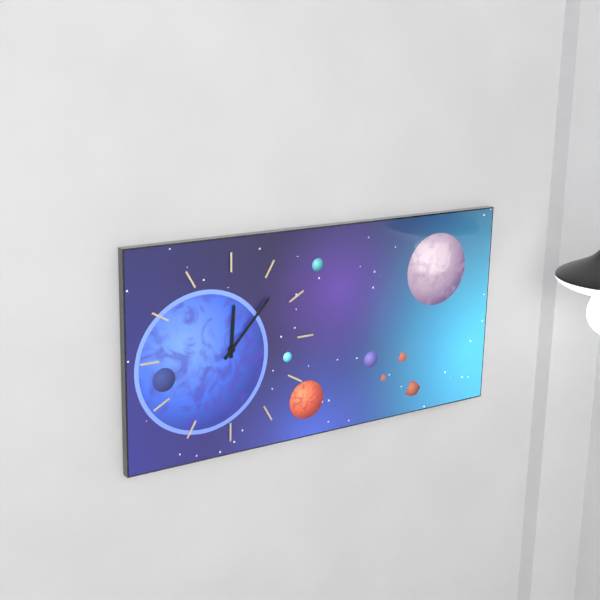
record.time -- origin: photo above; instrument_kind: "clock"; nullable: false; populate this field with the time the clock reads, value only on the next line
12:07
